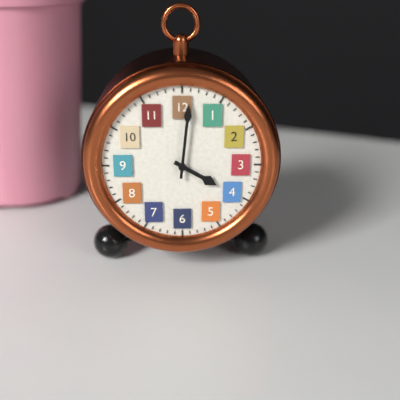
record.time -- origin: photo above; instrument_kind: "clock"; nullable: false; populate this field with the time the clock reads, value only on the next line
4:01
